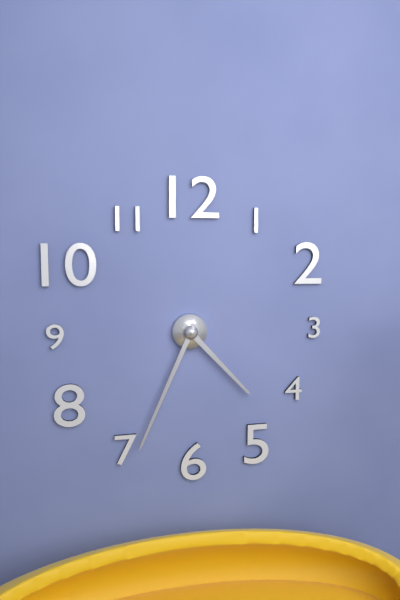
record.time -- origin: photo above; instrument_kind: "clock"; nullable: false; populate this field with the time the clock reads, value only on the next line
4:34
